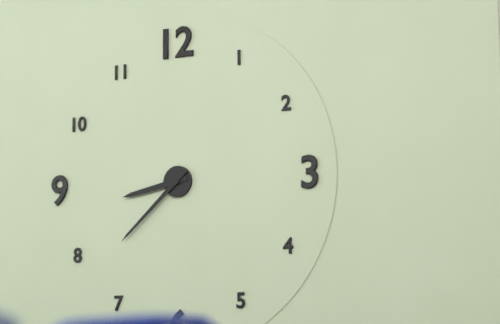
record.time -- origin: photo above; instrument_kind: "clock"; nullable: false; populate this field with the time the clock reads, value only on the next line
8:38
